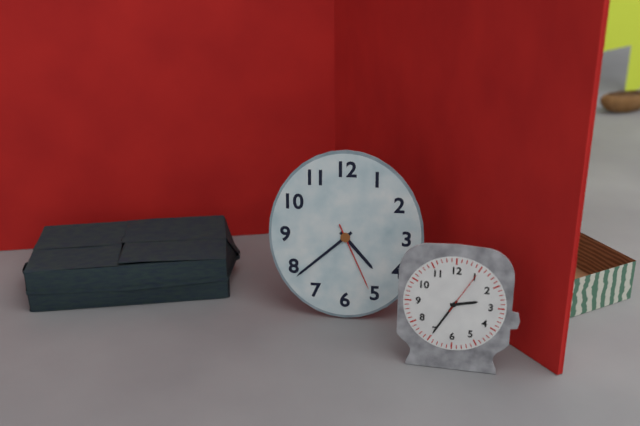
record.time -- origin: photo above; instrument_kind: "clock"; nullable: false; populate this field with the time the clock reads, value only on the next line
4:38:26
